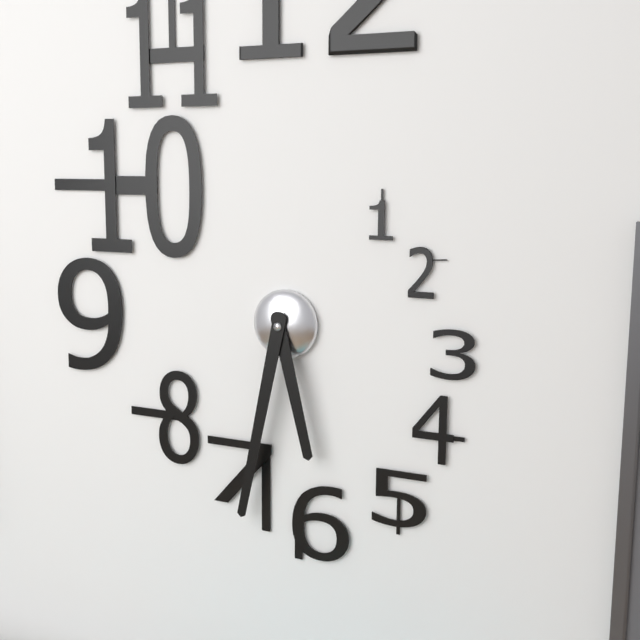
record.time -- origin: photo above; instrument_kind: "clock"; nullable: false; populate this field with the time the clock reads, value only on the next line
5:32
